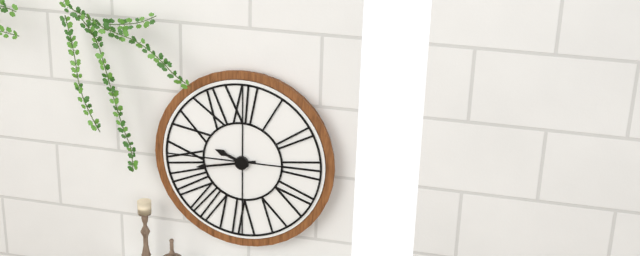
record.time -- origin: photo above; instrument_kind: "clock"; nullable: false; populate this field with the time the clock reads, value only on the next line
9:43
